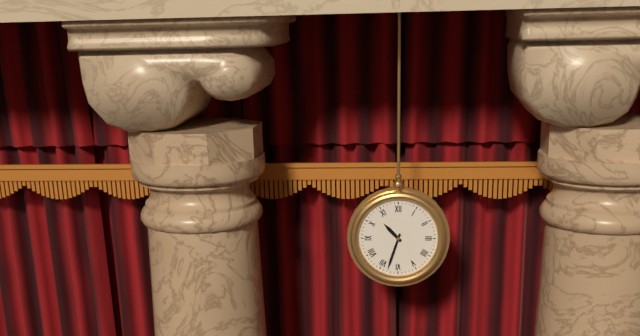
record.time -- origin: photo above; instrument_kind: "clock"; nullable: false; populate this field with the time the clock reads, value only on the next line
10:33
